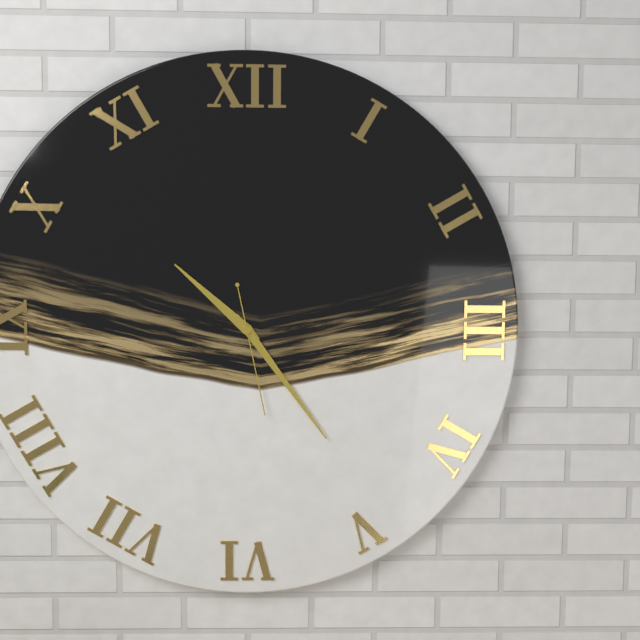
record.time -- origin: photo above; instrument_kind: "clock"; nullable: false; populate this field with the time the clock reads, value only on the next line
10:24:28
